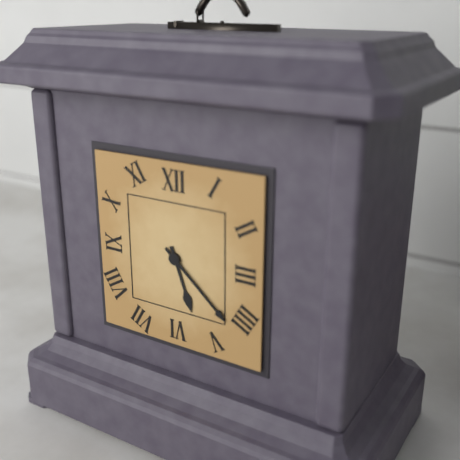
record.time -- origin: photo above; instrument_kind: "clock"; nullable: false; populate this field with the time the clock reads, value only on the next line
5:22
